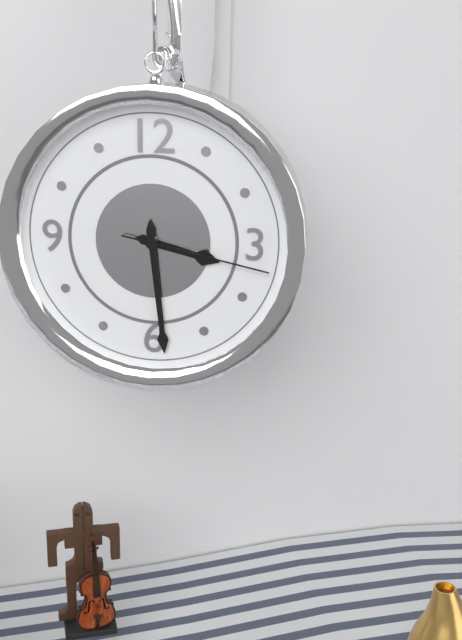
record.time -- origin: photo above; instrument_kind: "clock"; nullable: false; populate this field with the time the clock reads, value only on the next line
3:29:17
